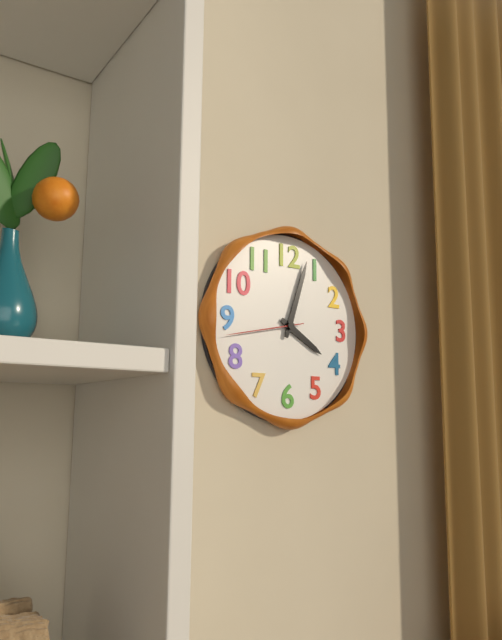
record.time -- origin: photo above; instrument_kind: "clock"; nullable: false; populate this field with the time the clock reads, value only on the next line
4:03:43
